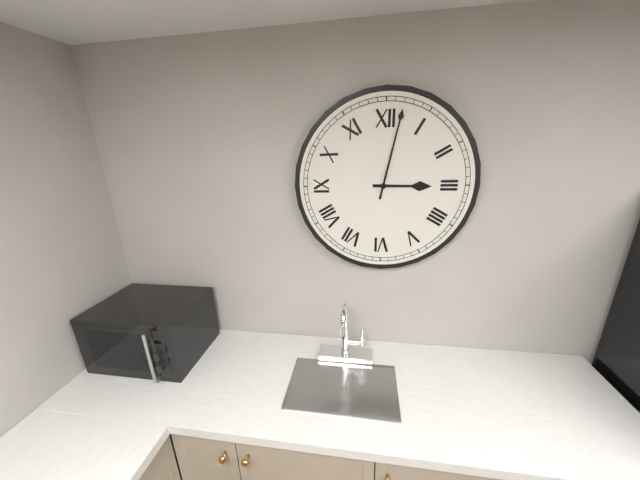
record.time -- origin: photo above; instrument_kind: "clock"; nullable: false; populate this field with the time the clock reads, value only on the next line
3:02
